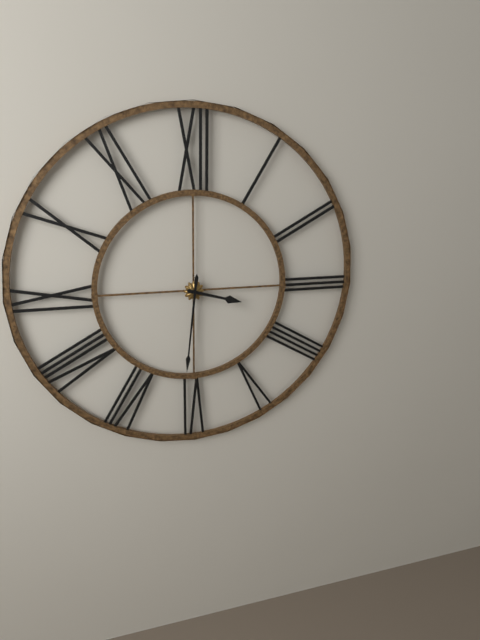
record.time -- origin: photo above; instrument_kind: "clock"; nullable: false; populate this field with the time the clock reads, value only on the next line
3:31
